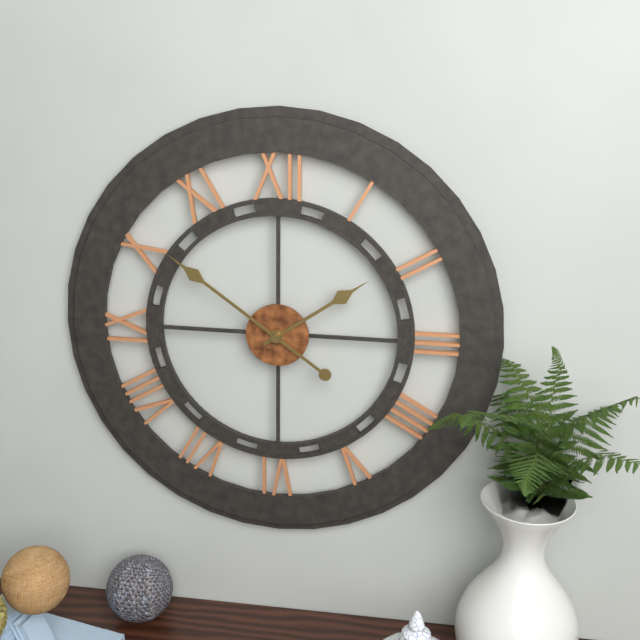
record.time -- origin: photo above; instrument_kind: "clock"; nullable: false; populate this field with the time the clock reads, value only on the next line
1:51
